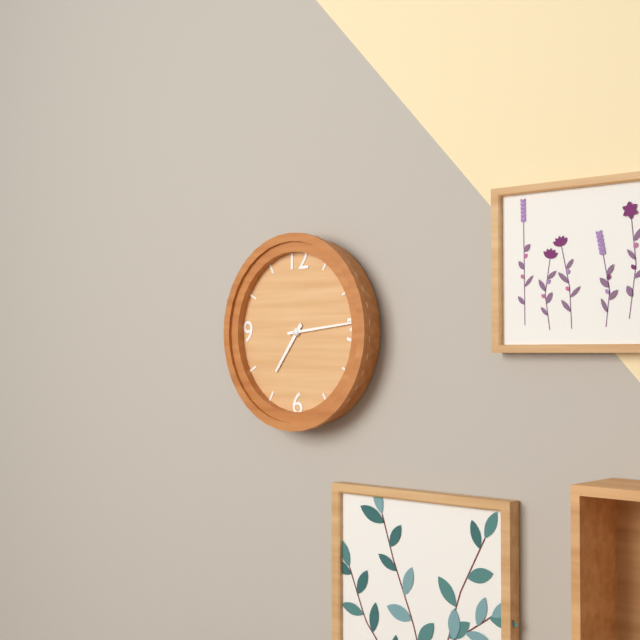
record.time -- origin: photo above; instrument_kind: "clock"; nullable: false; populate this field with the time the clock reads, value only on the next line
7:14
